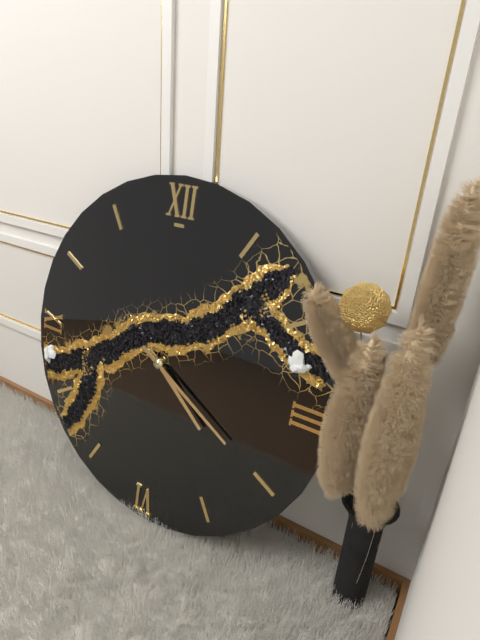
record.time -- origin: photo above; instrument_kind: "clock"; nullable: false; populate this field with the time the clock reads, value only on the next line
4:20
